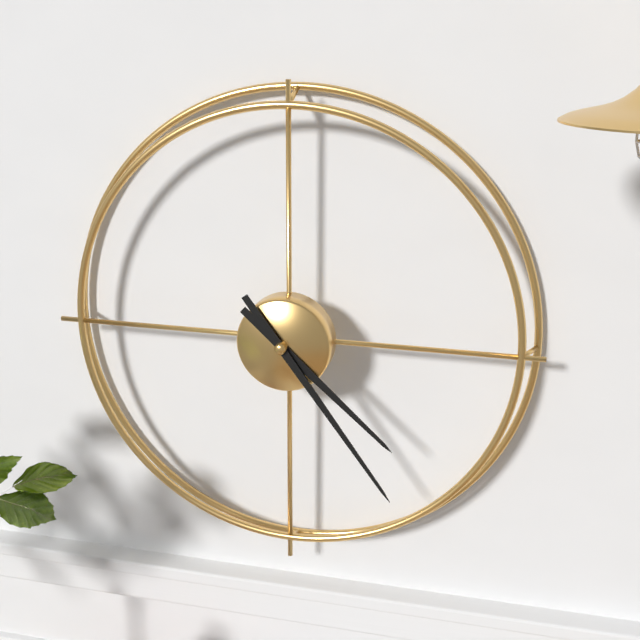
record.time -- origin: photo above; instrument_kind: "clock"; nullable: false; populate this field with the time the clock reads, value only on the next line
4:24
